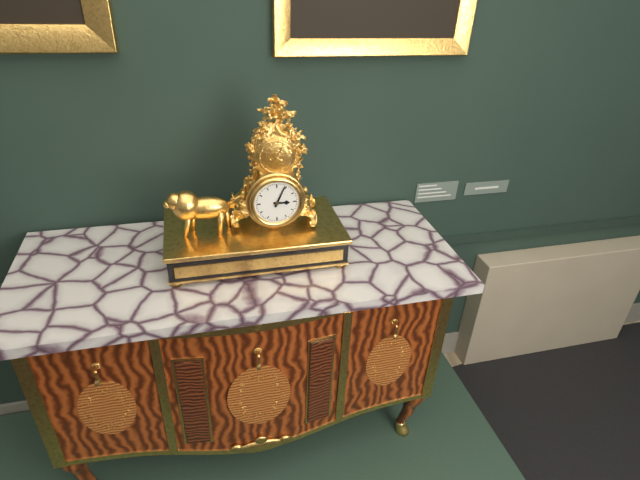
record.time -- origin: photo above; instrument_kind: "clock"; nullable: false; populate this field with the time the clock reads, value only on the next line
3:04
